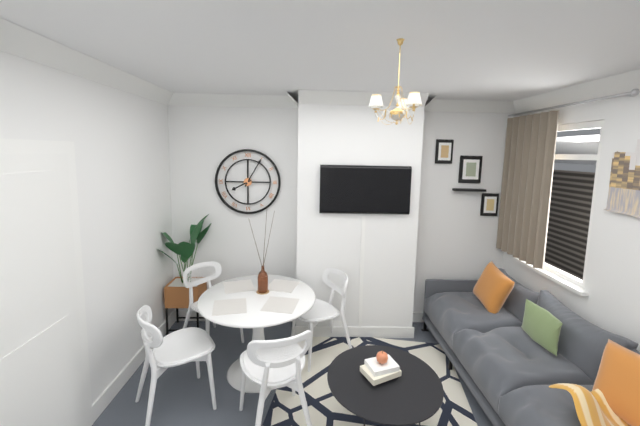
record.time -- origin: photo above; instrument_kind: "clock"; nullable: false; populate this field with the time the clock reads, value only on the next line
8:05
